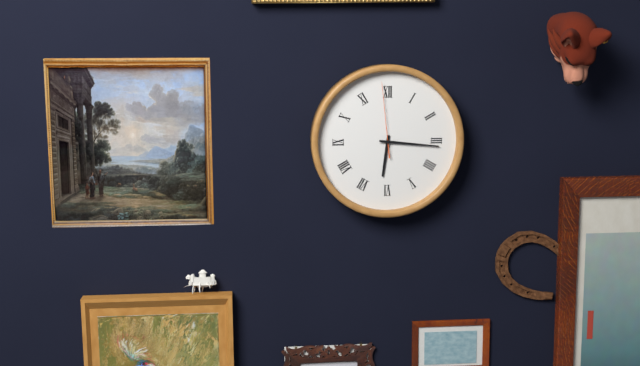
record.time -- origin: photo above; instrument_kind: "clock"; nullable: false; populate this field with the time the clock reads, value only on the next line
6:16:59
